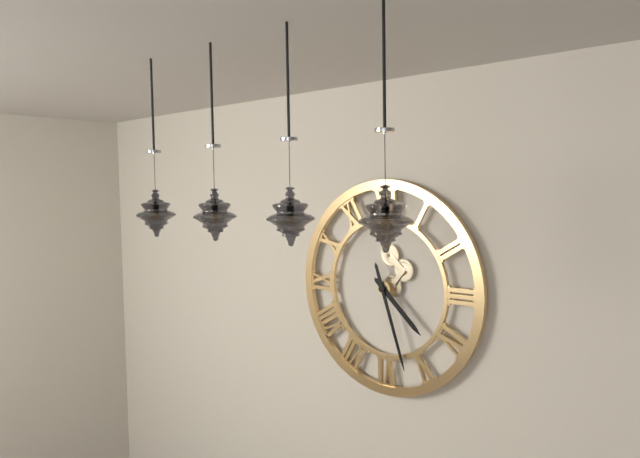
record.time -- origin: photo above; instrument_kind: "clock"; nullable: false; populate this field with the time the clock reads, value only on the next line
4:27
